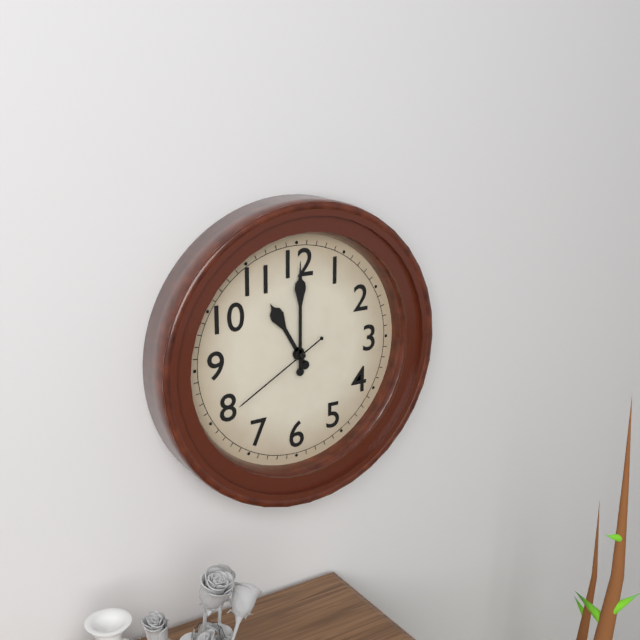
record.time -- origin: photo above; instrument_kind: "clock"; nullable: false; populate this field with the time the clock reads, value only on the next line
11:00:40
